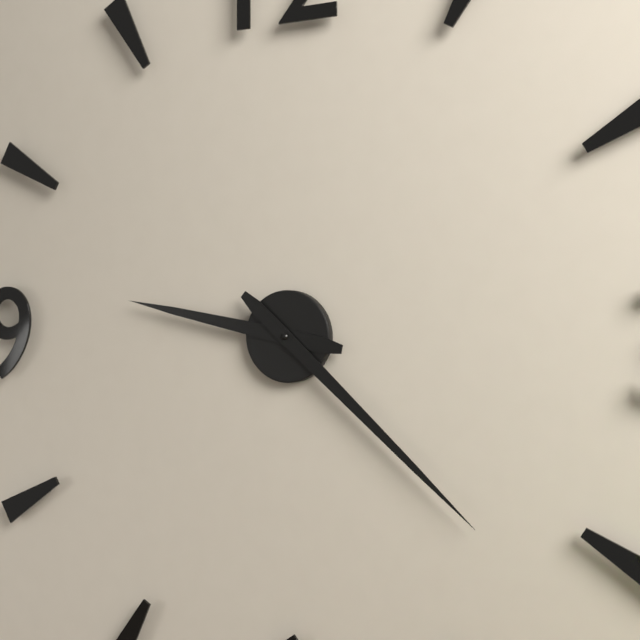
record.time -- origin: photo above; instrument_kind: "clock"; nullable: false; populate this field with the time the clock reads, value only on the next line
9:22
